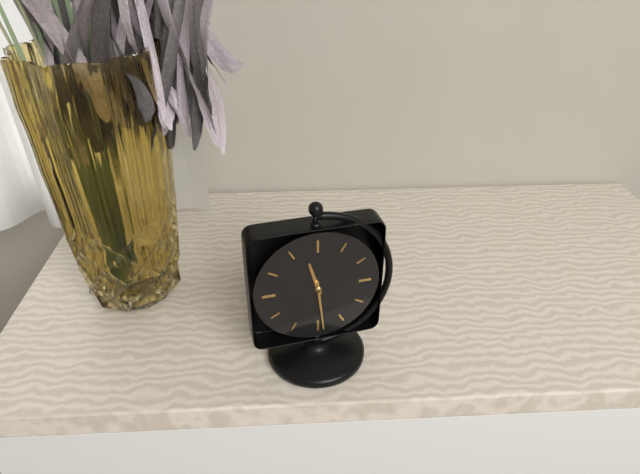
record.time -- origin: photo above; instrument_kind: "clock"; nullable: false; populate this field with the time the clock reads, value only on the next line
11:29
